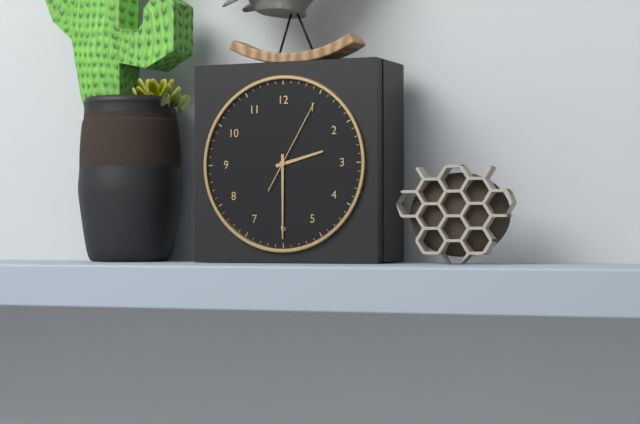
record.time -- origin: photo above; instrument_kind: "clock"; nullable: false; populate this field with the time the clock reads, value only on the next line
2:30:05
